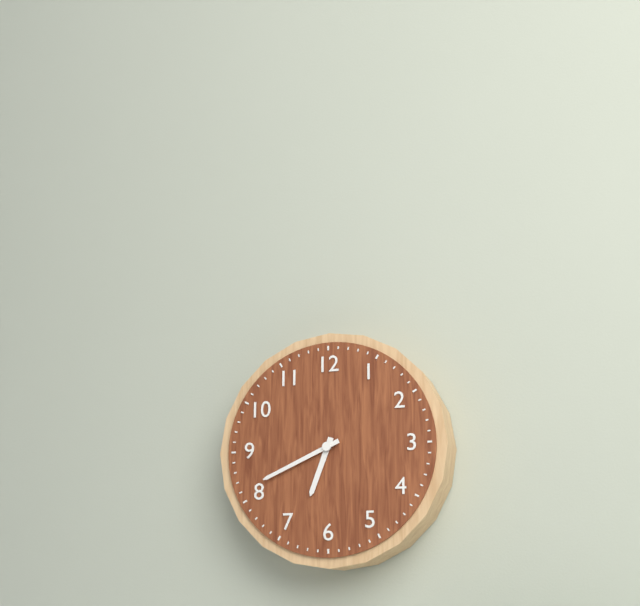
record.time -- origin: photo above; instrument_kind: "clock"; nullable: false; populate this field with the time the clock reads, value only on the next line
6:41
